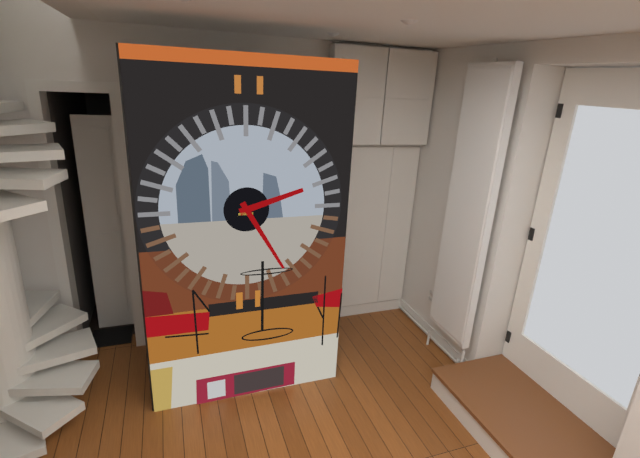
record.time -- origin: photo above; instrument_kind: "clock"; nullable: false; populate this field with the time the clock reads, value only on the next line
2:25
